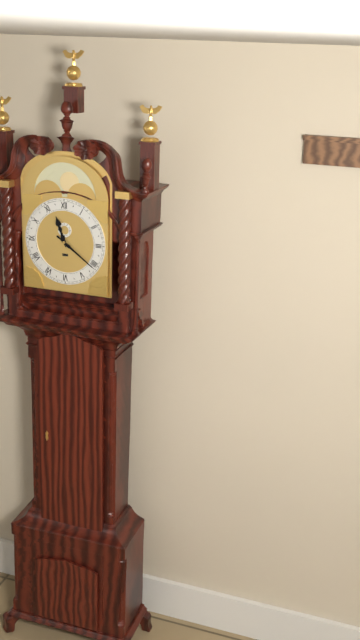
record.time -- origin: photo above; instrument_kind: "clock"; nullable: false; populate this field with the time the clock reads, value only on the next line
11:21
